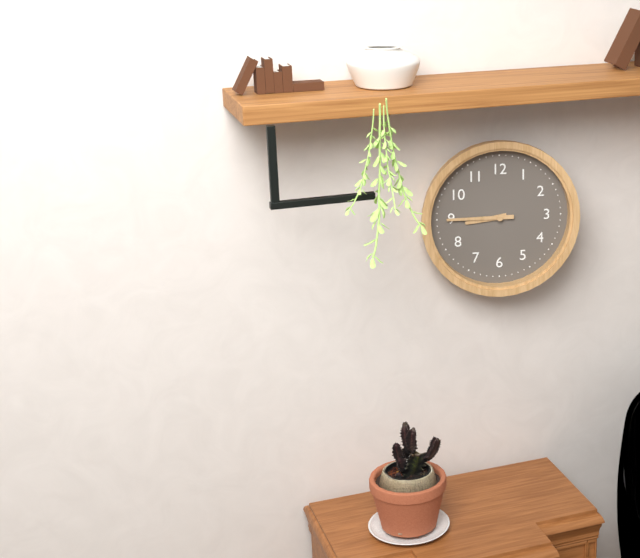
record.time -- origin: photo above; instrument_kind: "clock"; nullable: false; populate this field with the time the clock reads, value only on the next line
8:45
